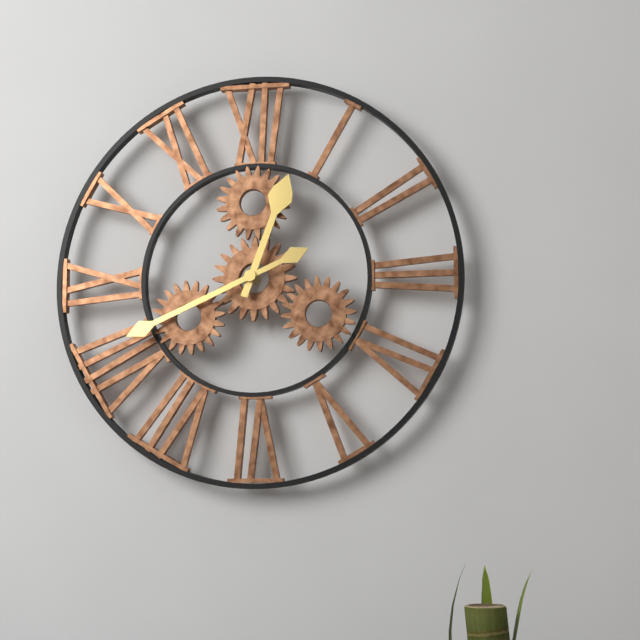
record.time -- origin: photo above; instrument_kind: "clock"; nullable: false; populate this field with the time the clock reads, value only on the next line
12:41
